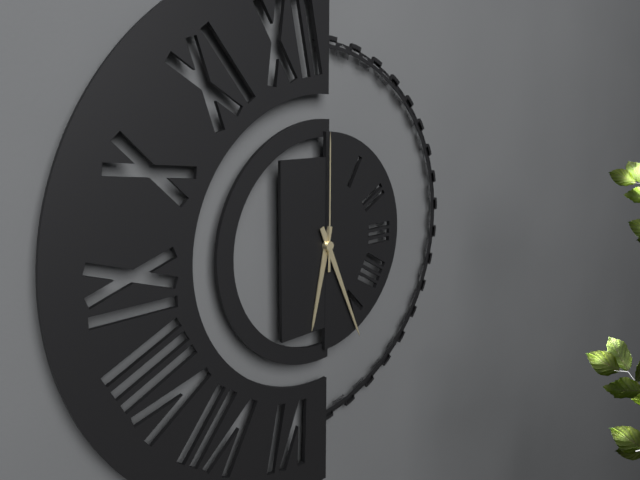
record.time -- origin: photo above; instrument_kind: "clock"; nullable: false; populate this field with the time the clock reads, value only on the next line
6:26:00
